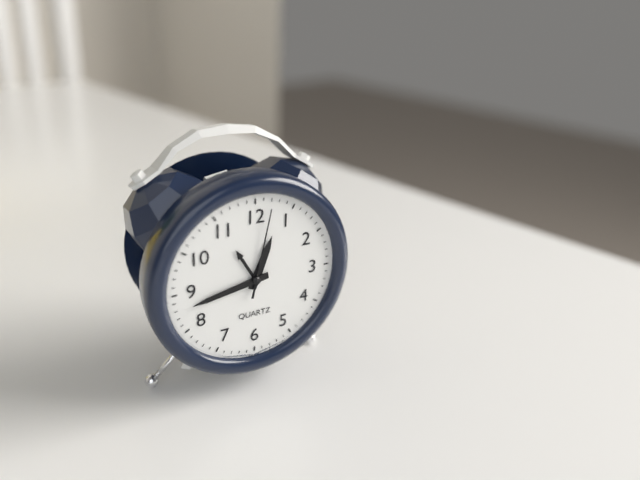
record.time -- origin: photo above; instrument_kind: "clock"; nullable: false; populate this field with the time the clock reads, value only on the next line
12:43:02
